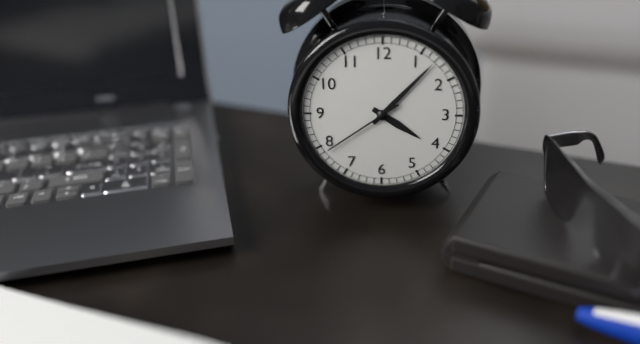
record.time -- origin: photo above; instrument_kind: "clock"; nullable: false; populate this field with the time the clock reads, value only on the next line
4:07:39
